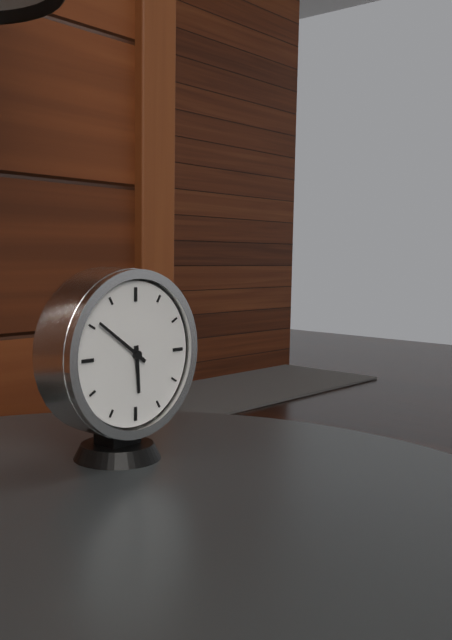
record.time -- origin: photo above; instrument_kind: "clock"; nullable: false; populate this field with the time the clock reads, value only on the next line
5:51
